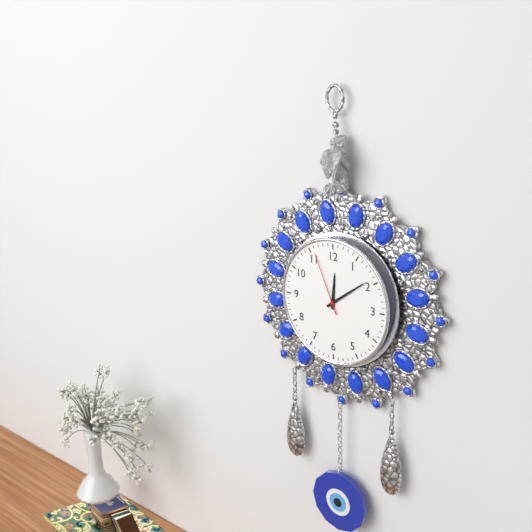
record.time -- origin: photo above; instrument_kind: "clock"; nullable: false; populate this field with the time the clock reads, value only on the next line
12:09:56
